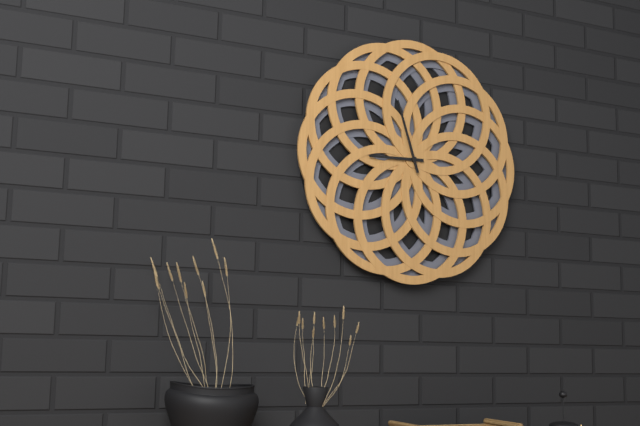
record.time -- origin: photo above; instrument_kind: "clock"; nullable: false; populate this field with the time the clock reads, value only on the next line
8:57
